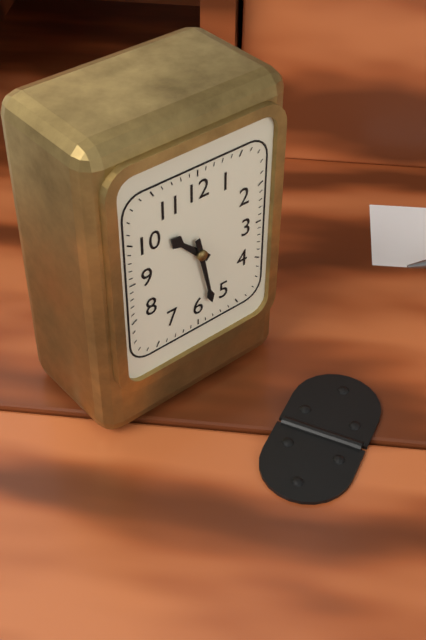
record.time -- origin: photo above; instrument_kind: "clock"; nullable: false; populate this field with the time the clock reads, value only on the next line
10:28
